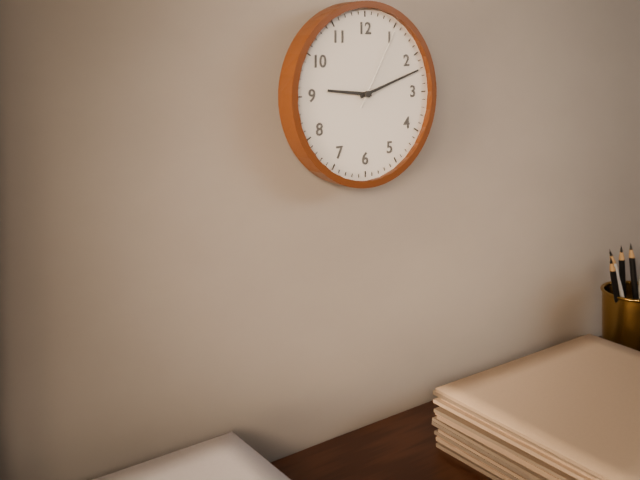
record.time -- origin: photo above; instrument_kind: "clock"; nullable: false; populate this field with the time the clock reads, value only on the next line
9:12:05
